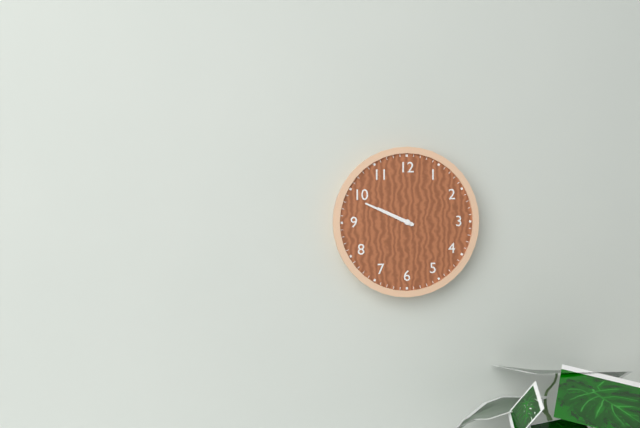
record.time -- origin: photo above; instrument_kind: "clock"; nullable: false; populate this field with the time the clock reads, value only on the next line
9:49
